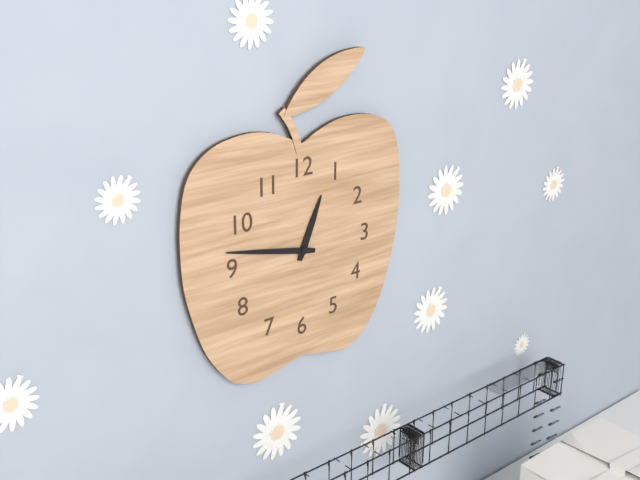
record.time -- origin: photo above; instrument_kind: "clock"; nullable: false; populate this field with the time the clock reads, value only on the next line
12:47
